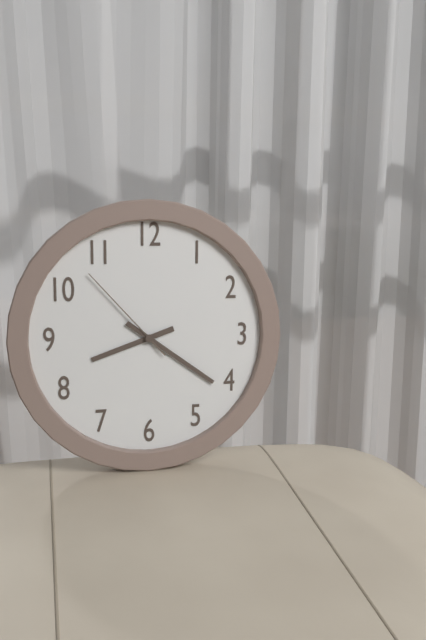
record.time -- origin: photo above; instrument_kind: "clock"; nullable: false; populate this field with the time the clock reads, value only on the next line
8:21:53
